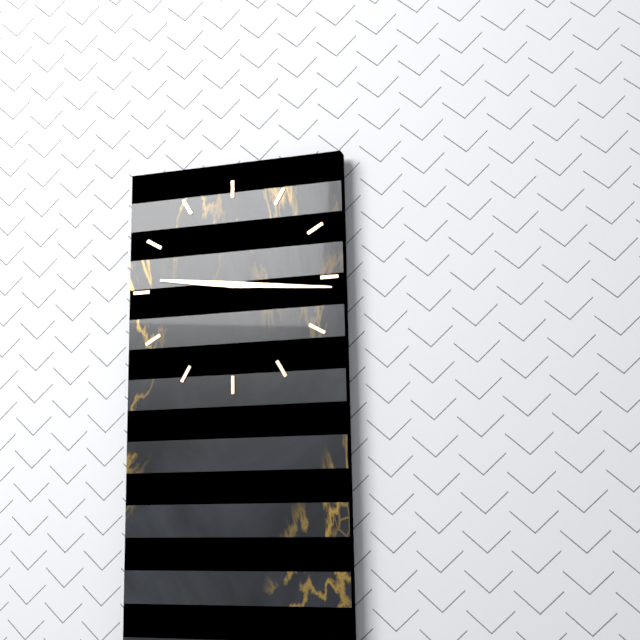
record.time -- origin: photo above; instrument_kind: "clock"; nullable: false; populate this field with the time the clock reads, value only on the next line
9:16
